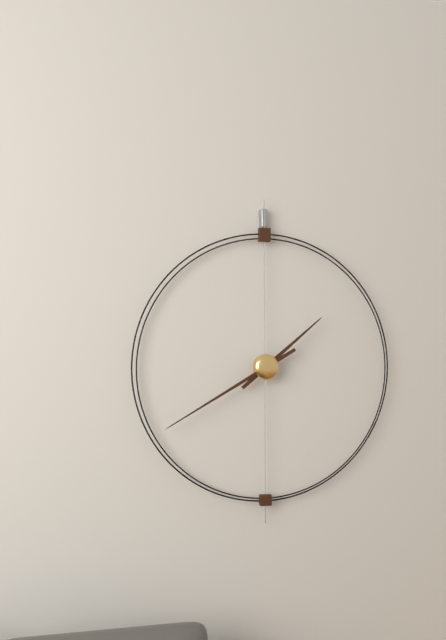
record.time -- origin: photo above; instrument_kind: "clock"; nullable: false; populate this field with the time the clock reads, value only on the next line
1:40
